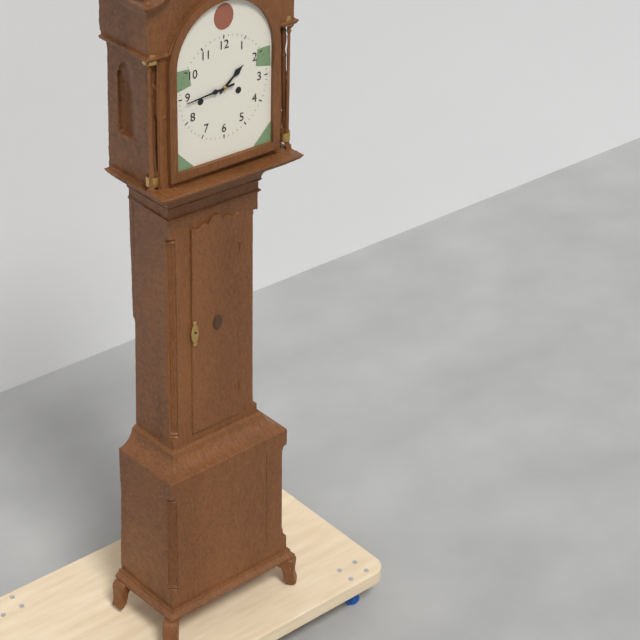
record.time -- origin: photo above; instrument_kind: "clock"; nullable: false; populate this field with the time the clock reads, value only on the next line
1:44
